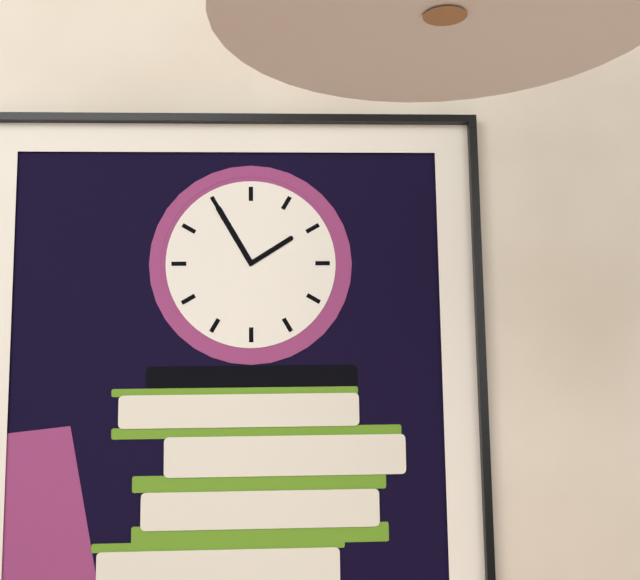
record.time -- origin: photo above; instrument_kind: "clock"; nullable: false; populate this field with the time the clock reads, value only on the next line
1:55
